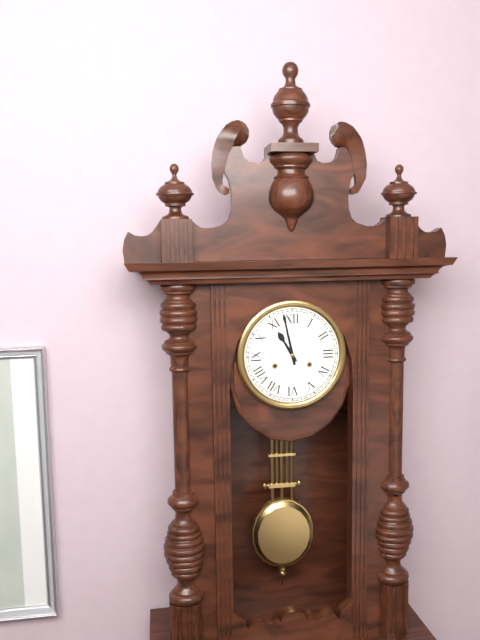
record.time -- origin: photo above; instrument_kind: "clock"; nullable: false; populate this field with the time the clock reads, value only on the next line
10:58
